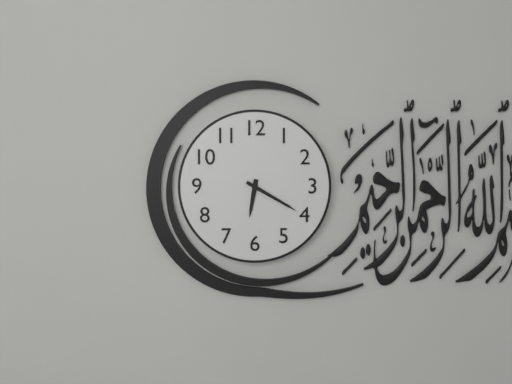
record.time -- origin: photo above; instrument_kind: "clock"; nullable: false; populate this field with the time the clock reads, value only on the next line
6:20
